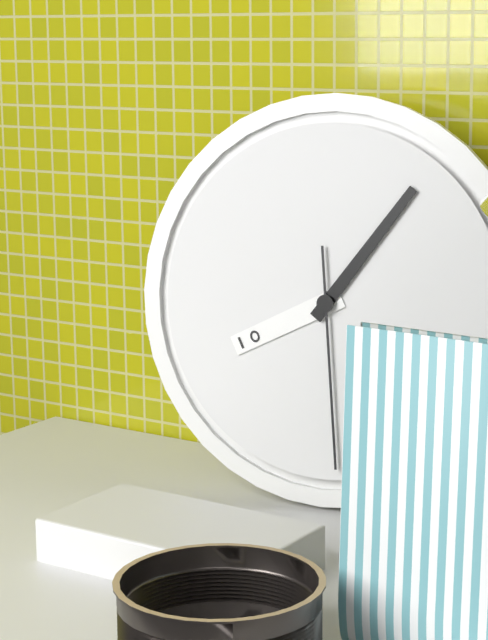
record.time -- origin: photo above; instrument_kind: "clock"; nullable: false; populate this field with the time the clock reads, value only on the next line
8:06:29
